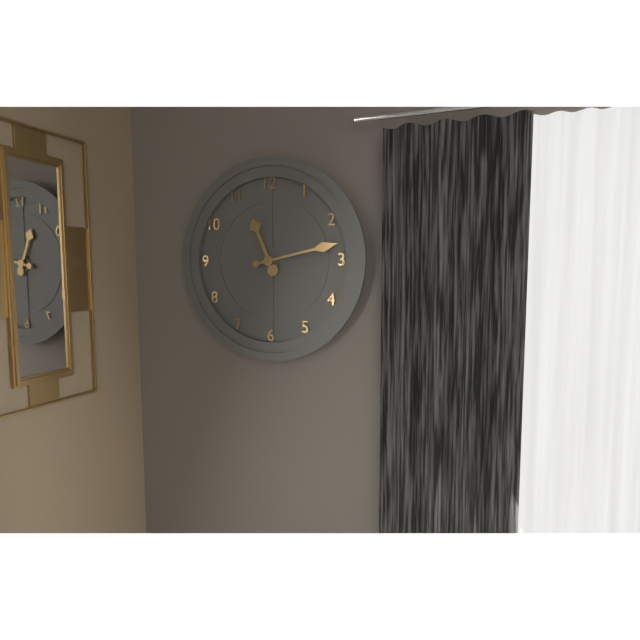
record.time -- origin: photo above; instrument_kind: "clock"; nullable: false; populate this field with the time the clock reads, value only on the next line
11:13
